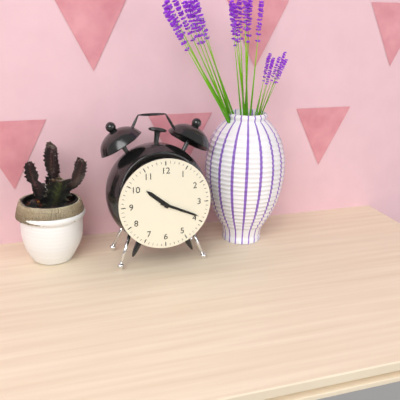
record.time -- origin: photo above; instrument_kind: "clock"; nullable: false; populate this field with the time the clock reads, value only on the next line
10:19
